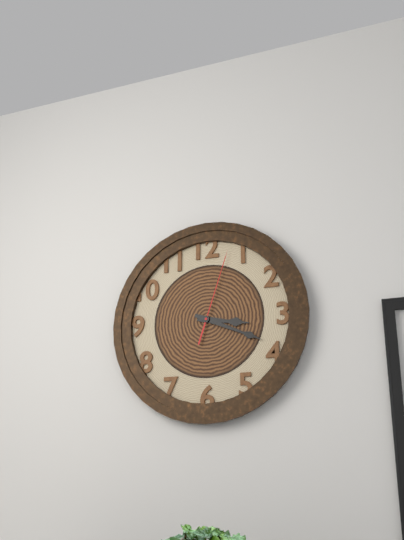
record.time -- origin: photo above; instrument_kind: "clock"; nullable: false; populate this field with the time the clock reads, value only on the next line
3:19:03
